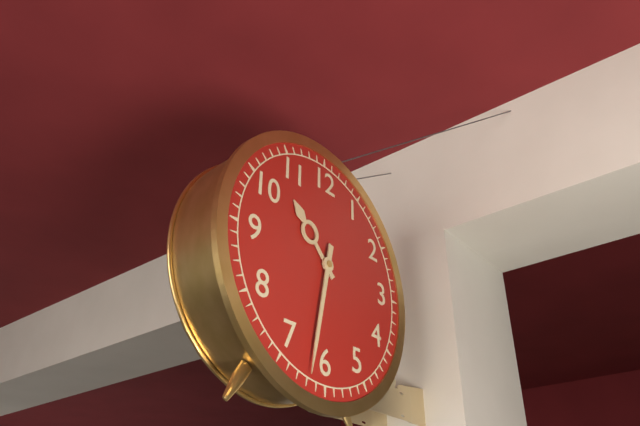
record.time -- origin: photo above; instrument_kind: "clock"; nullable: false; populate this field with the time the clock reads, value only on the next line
10:32
